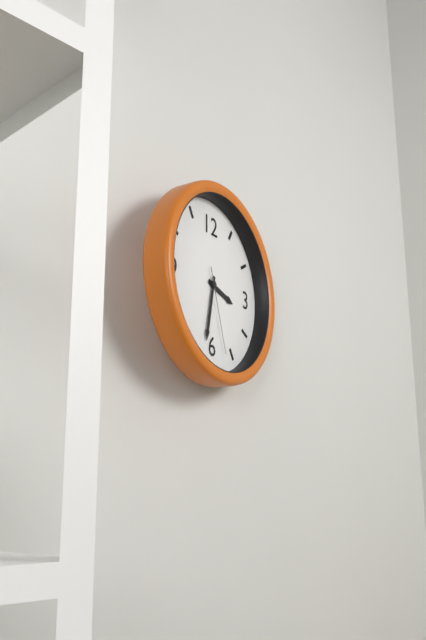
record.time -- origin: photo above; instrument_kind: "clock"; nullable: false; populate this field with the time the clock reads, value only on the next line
3:32:27
